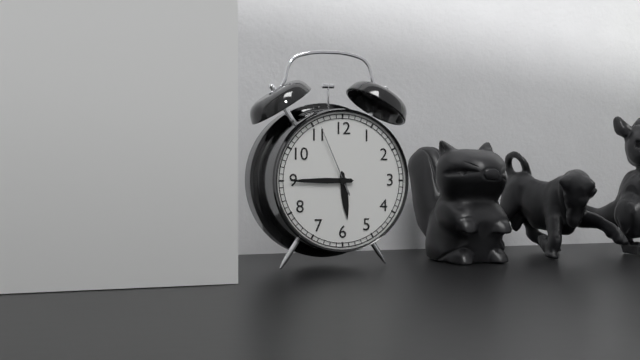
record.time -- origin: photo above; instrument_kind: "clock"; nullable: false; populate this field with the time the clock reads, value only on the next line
5:45:56
